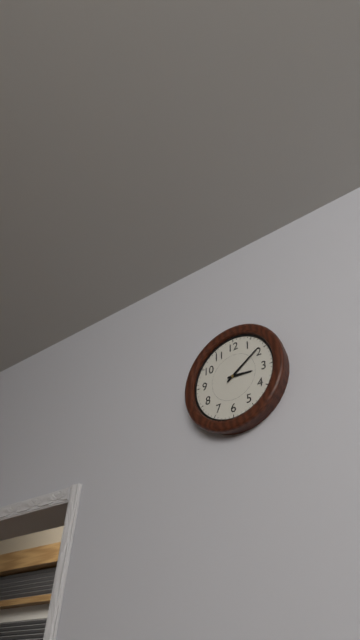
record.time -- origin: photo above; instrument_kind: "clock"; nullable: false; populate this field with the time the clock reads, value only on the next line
3:09
